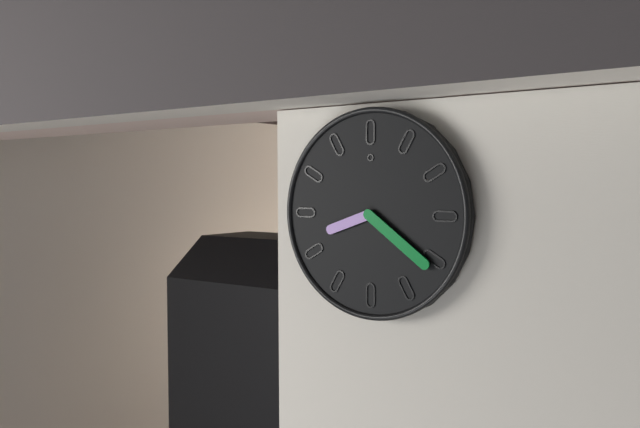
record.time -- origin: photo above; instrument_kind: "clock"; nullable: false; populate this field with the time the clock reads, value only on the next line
8:21
